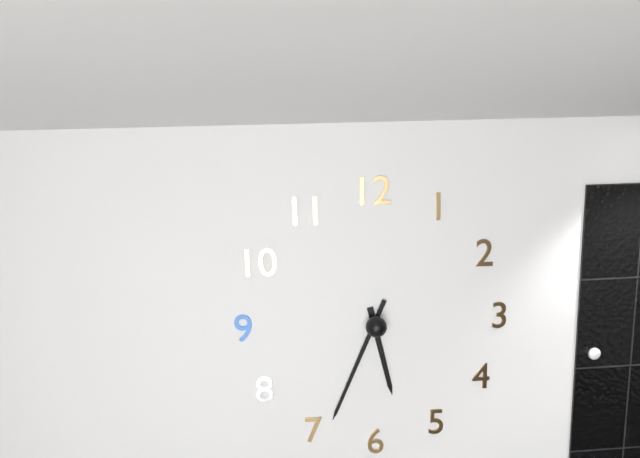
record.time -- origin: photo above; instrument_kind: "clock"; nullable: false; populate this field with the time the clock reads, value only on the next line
5:34
